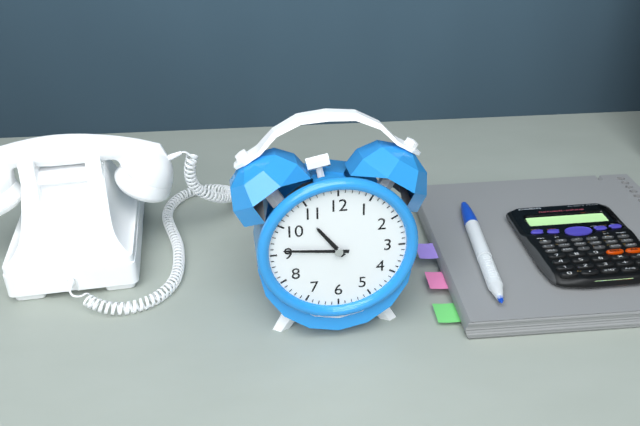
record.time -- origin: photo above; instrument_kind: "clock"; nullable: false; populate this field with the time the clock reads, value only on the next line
10:46
